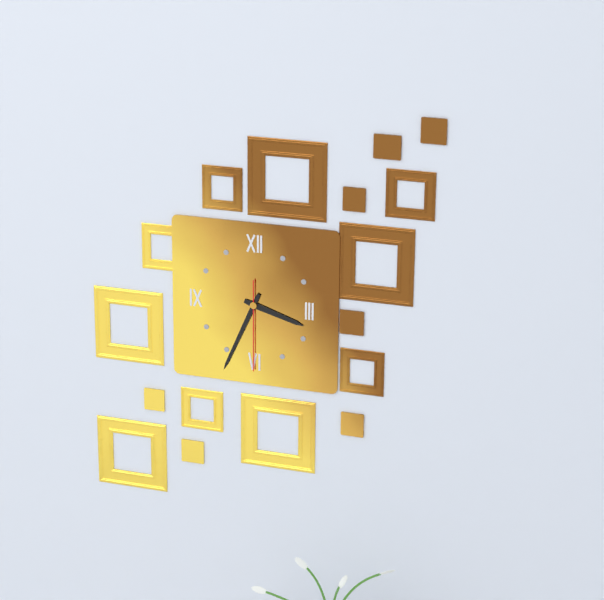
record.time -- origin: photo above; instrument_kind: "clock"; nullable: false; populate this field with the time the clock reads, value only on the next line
3:34:30
